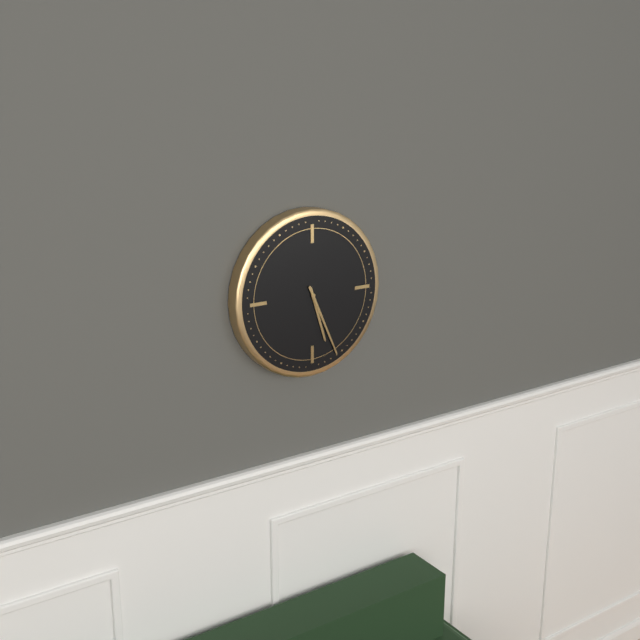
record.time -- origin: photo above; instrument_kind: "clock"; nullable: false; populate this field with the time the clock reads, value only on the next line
5:26
